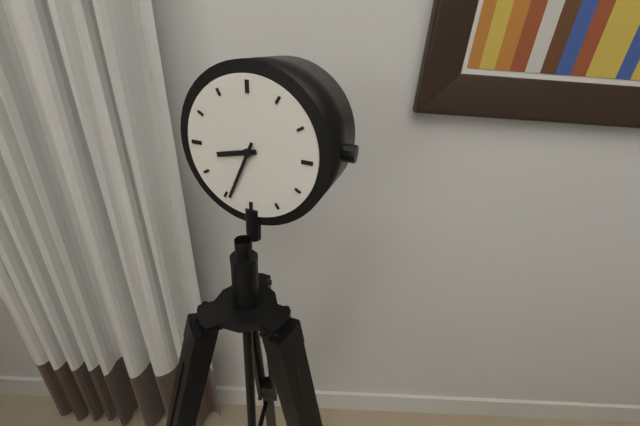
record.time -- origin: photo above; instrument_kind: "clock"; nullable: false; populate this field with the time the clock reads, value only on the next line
8:34
